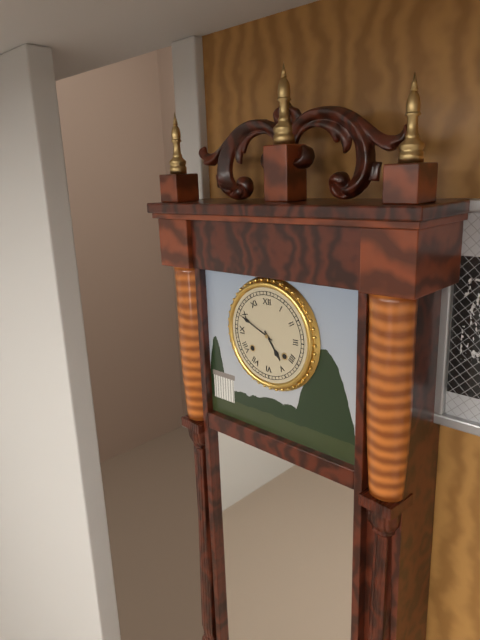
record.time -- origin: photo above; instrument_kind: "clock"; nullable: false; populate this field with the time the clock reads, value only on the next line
4:49
